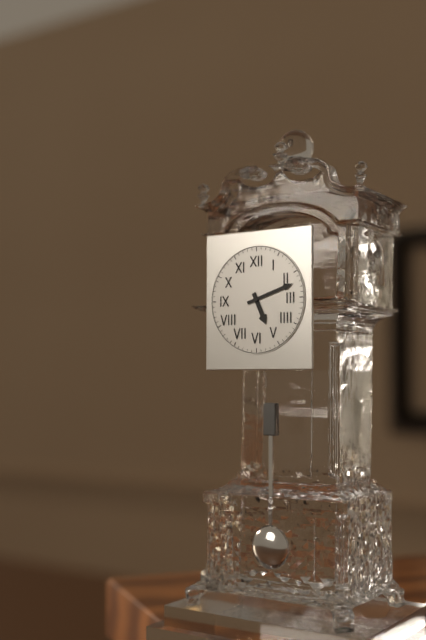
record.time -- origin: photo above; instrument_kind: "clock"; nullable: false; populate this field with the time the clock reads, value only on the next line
5:12
